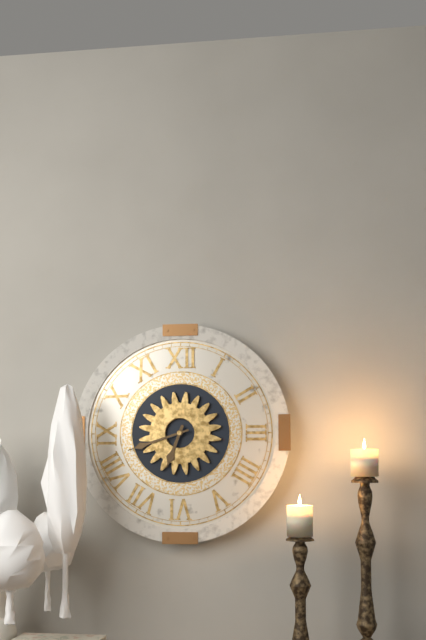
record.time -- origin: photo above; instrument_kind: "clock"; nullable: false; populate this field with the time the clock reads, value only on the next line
6:42
